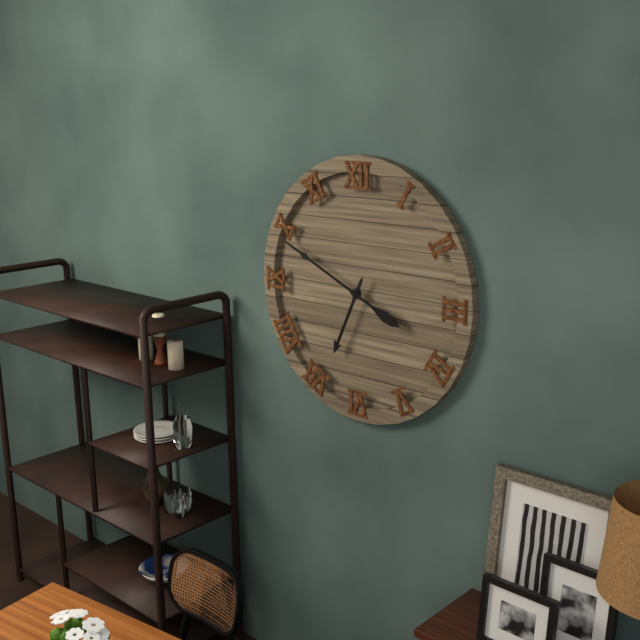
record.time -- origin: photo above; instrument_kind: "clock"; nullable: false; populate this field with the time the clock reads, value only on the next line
6:49
